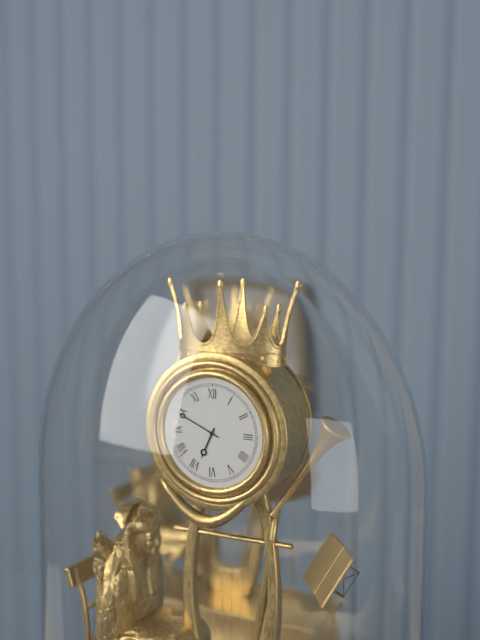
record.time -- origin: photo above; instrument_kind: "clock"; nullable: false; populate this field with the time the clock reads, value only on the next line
6:49
